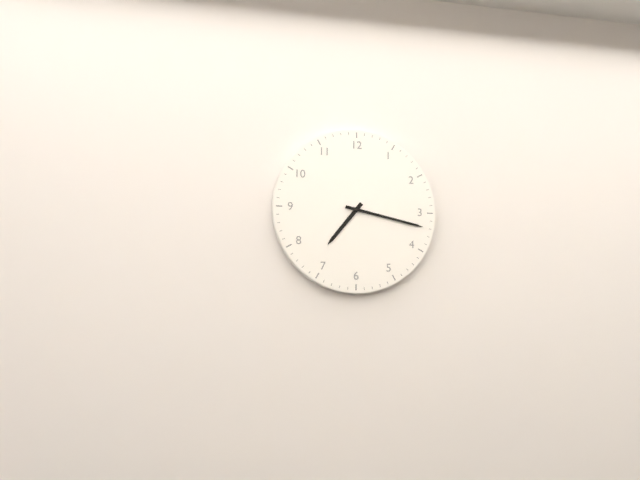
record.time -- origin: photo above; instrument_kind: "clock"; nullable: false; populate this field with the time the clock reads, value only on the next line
7:17
